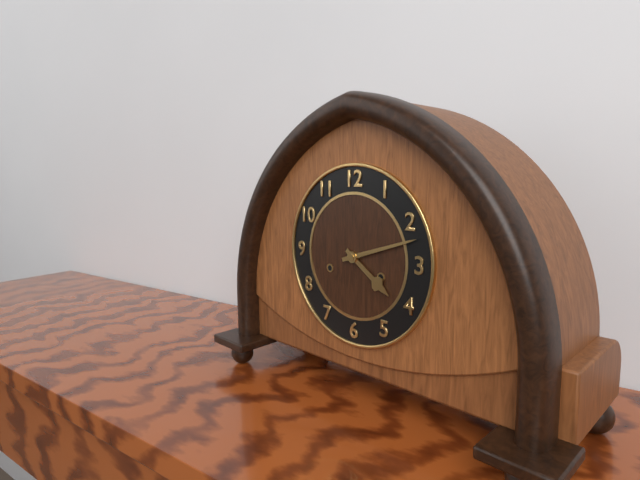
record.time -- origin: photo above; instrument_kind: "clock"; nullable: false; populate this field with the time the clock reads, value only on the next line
4:12
